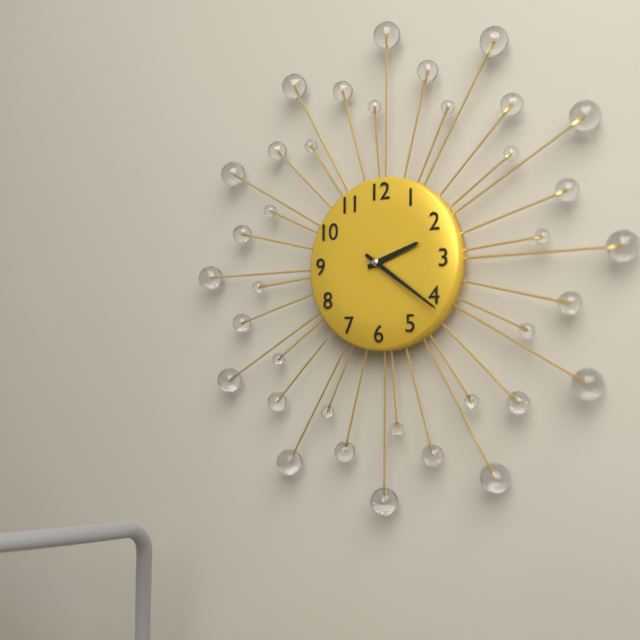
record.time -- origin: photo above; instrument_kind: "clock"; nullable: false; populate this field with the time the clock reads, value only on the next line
2:21
